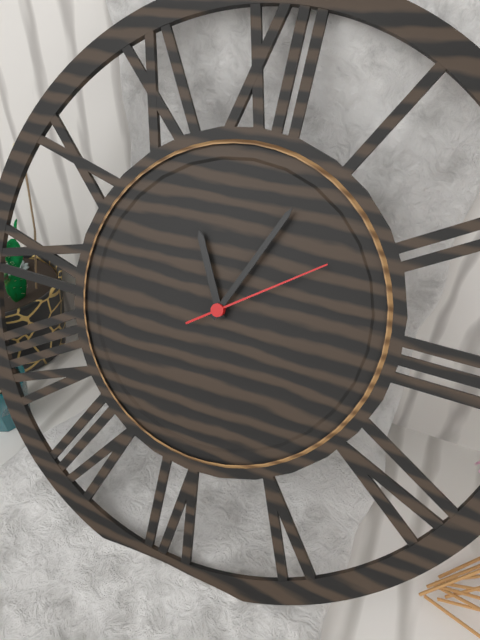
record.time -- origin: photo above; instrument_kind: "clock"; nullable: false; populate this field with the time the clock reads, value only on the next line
11:04:09
